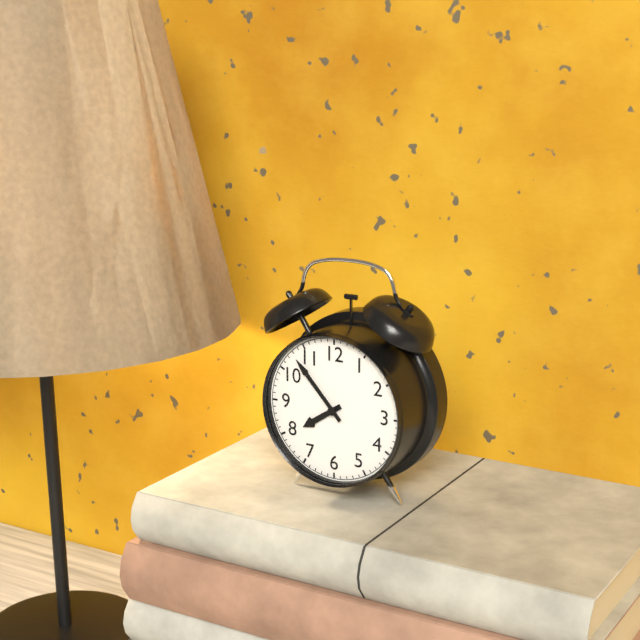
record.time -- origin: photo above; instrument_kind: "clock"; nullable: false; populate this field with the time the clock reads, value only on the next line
7:53
